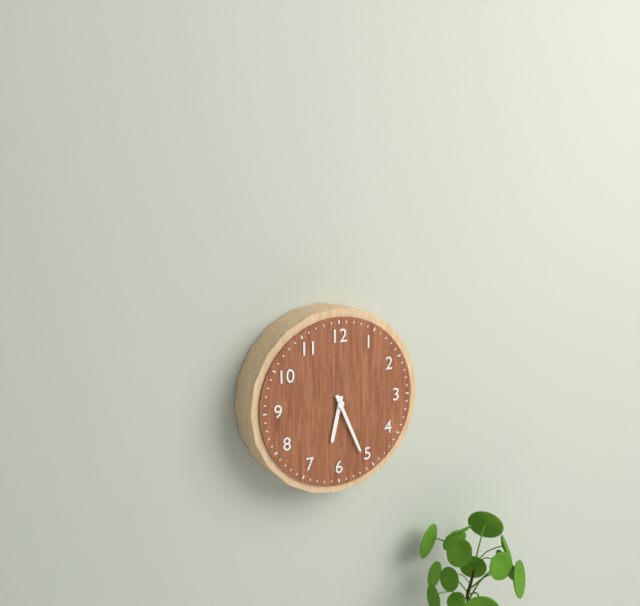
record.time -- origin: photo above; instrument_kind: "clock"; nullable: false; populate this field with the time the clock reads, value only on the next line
6:26
